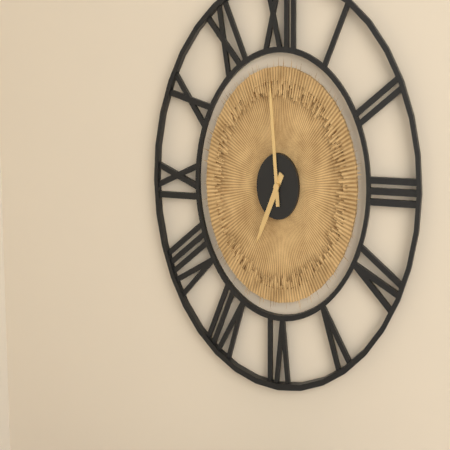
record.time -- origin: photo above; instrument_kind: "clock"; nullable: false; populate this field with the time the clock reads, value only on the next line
6:59
